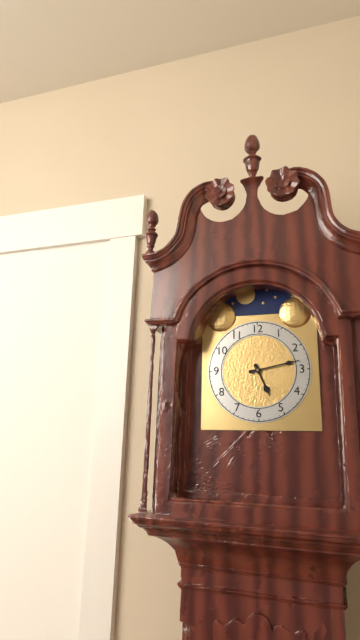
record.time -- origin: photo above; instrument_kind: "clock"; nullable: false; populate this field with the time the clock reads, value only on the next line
5:13
